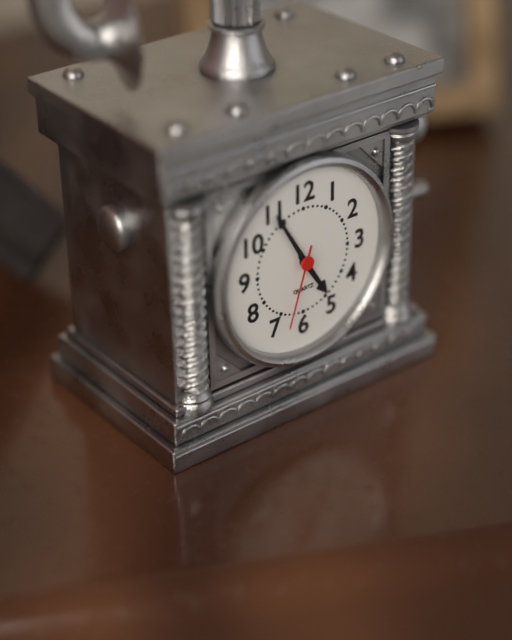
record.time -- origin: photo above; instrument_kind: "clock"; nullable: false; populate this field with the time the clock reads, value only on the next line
4:55:33
